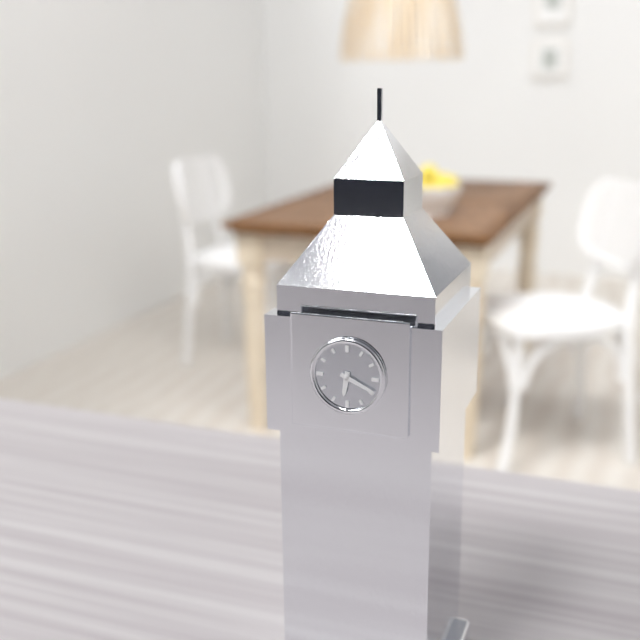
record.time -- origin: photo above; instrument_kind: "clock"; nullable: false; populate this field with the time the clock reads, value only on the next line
6:19
